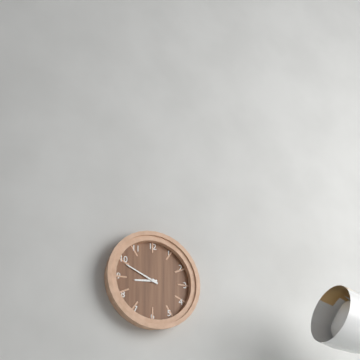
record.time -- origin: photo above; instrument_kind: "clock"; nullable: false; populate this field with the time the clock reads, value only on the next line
8:49
